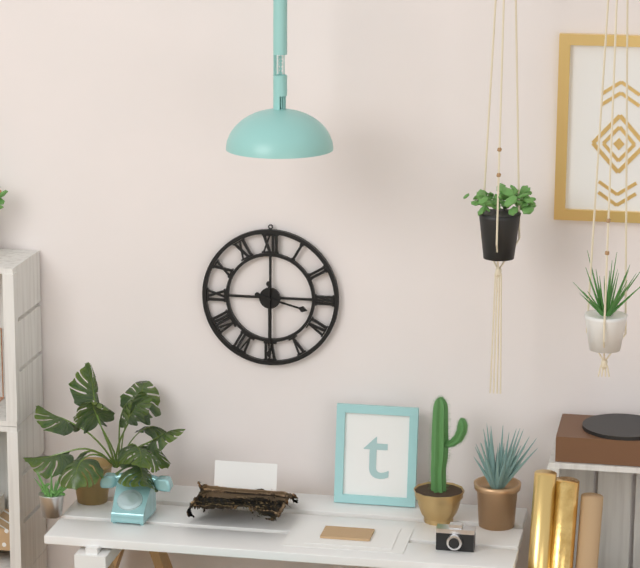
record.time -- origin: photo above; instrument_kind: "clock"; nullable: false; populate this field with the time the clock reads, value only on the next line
3:30
